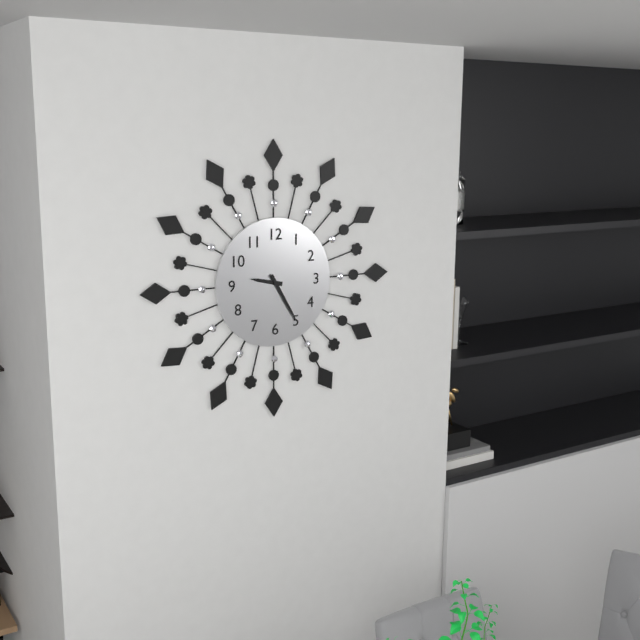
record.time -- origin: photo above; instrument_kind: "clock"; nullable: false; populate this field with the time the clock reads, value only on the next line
9:25
